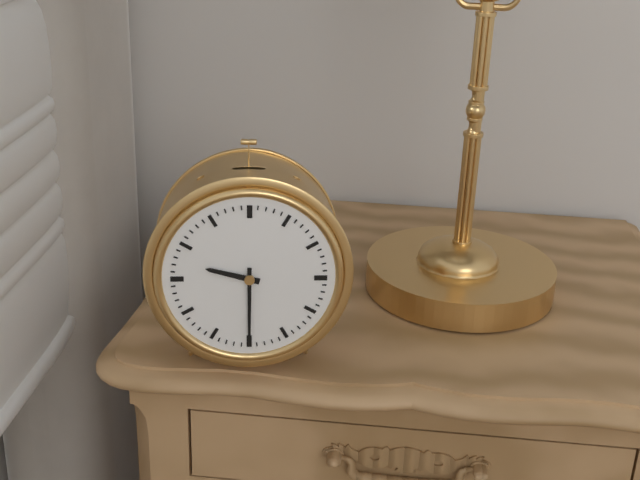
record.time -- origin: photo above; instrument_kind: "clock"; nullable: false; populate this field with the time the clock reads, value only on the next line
9:30
